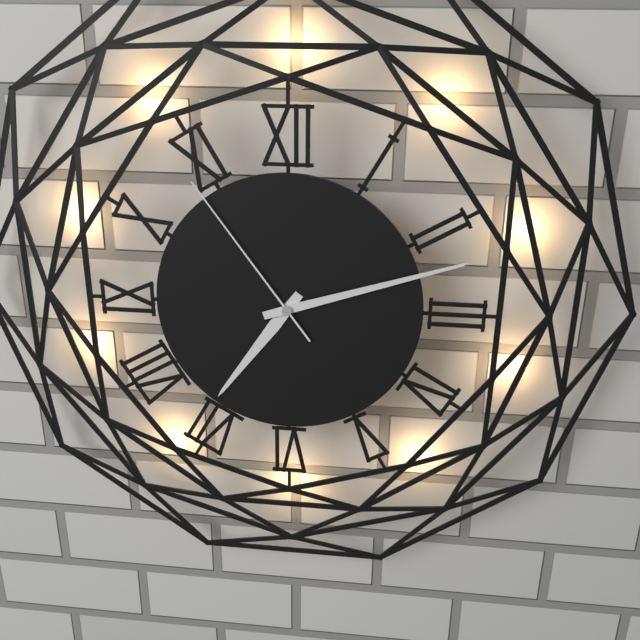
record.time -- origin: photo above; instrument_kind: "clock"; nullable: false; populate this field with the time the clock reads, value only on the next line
7:12:54
